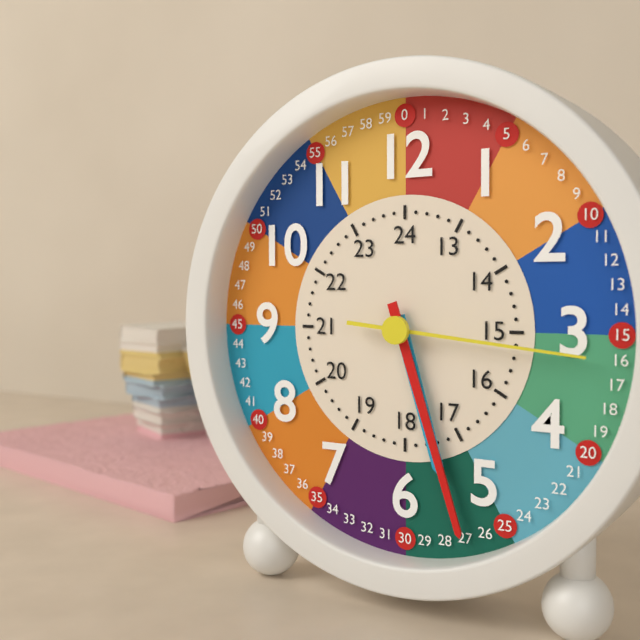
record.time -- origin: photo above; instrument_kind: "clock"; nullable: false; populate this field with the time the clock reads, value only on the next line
5:27:16
